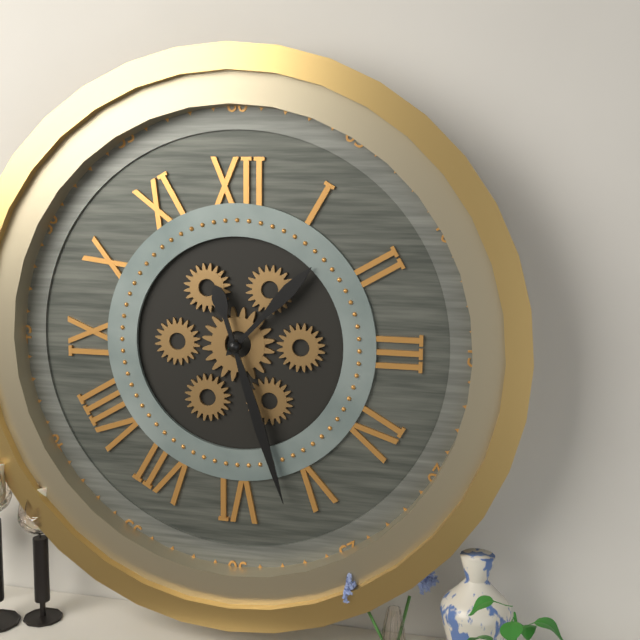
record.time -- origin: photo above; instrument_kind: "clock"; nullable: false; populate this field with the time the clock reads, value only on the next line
1:27
